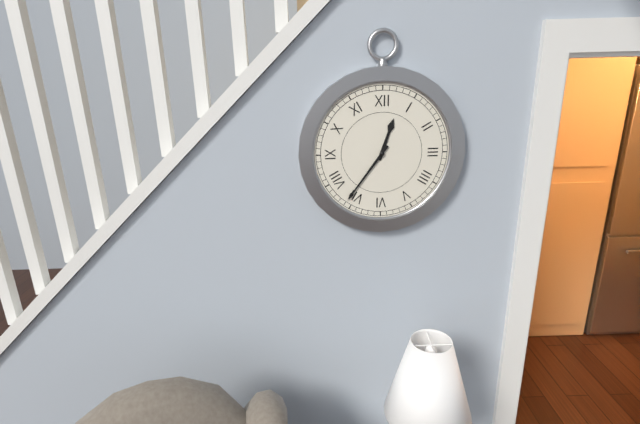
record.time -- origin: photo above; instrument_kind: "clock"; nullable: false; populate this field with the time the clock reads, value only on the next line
12:36
